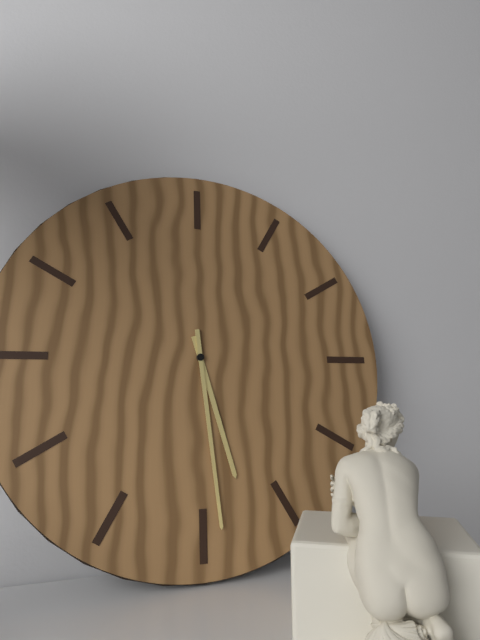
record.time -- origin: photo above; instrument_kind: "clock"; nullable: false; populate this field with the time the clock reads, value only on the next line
5:29
